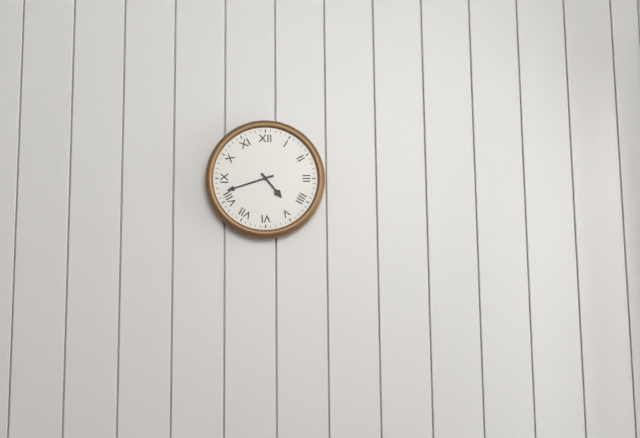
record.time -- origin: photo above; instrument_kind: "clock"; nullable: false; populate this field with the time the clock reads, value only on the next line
4:42
